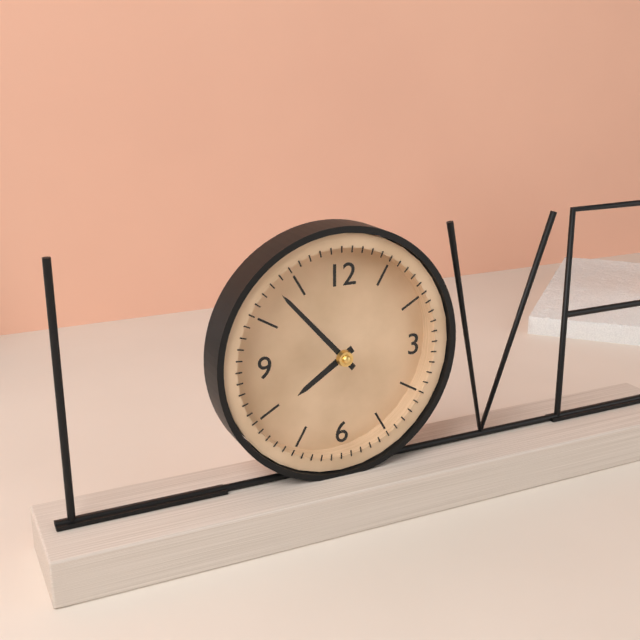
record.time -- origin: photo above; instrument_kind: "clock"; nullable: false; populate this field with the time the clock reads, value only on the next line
7:53
